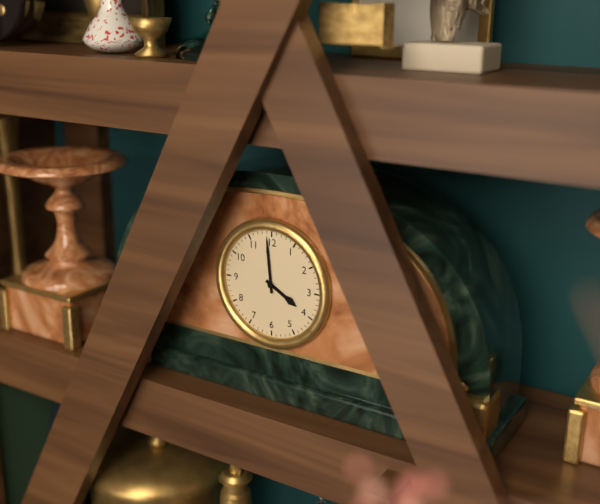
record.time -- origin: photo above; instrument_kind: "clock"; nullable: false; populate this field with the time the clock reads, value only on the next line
3:59
